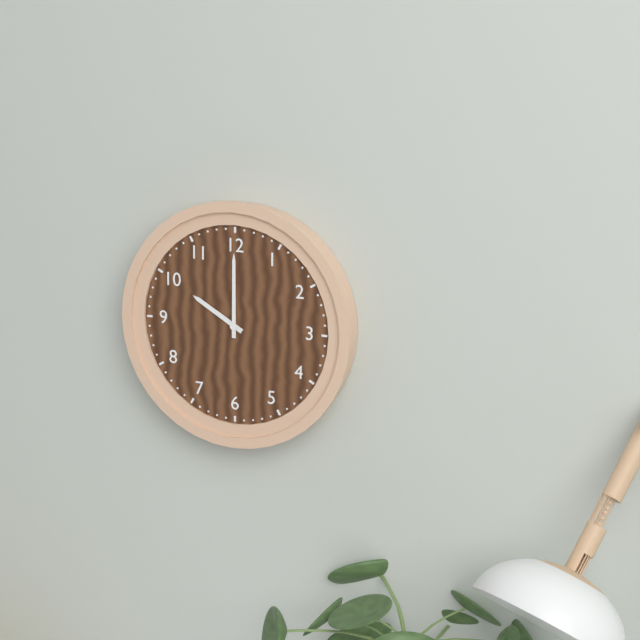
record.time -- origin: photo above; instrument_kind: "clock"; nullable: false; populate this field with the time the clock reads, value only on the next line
10:00
